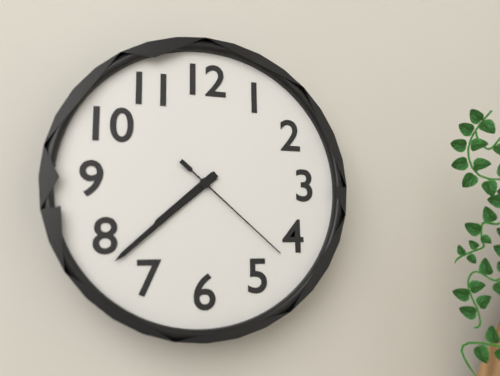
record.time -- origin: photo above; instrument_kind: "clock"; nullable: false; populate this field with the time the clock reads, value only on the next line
7:38:22
